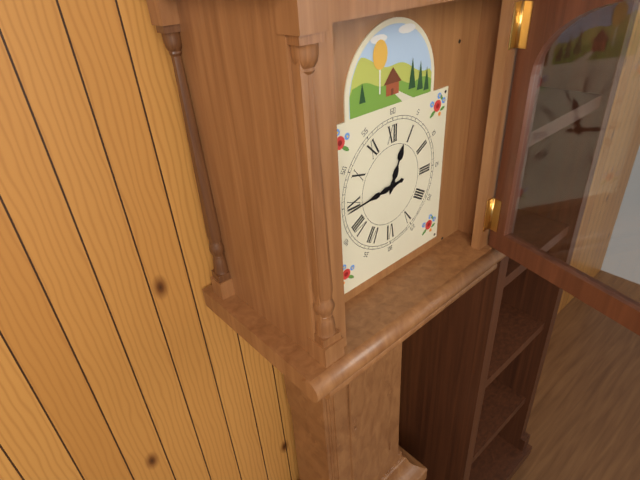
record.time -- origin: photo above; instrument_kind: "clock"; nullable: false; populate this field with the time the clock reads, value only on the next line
12:44
